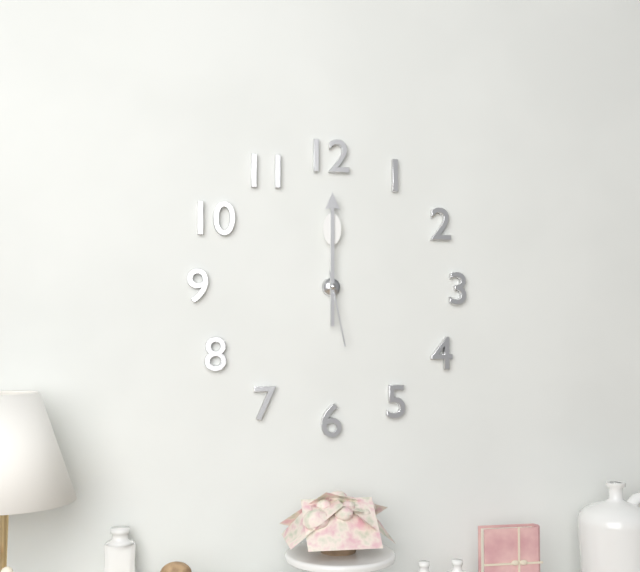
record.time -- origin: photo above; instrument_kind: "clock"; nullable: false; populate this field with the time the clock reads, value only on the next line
12:00:28
